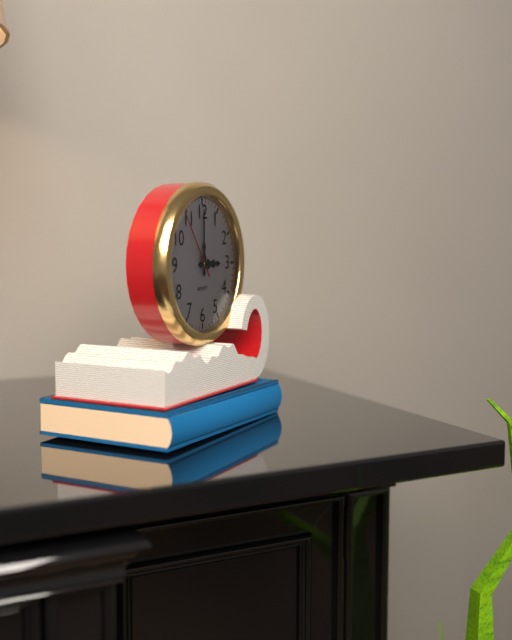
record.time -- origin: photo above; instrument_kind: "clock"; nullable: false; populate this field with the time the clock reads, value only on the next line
3:00:54
